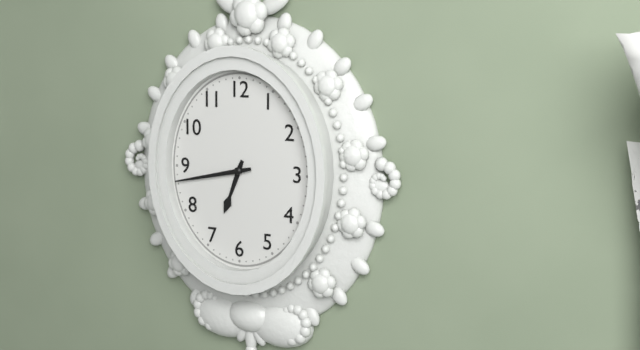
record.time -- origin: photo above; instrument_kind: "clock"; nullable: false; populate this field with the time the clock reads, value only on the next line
6:43
